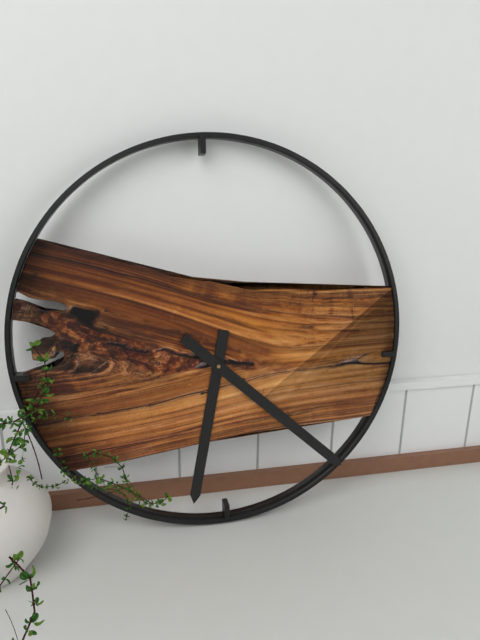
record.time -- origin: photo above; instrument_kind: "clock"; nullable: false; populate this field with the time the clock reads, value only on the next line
6:22
